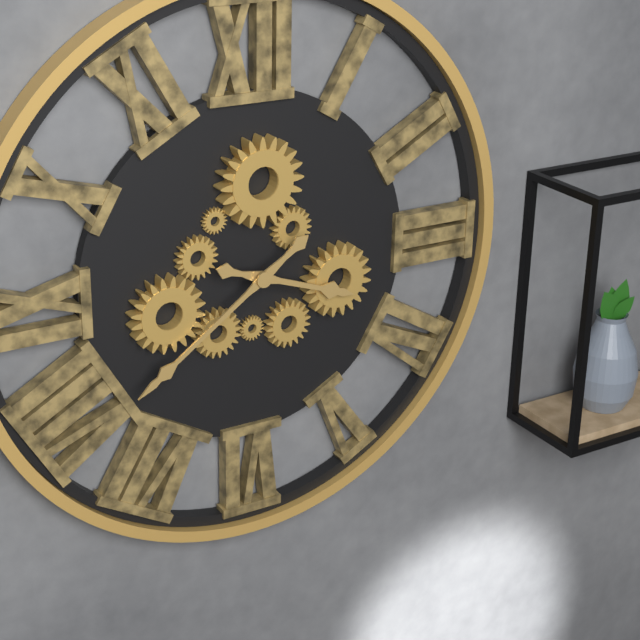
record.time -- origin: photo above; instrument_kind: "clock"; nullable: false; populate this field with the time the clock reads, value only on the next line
3:39
